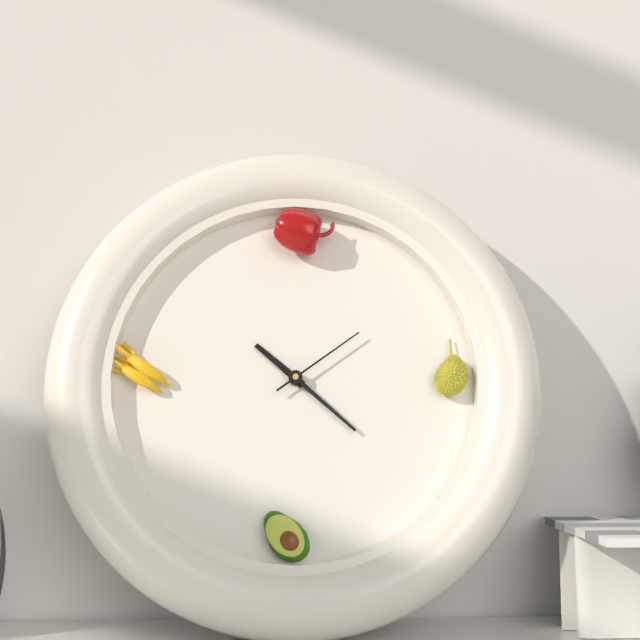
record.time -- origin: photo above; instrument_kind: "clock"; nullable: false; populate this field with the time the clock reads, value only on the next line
10:22:09
